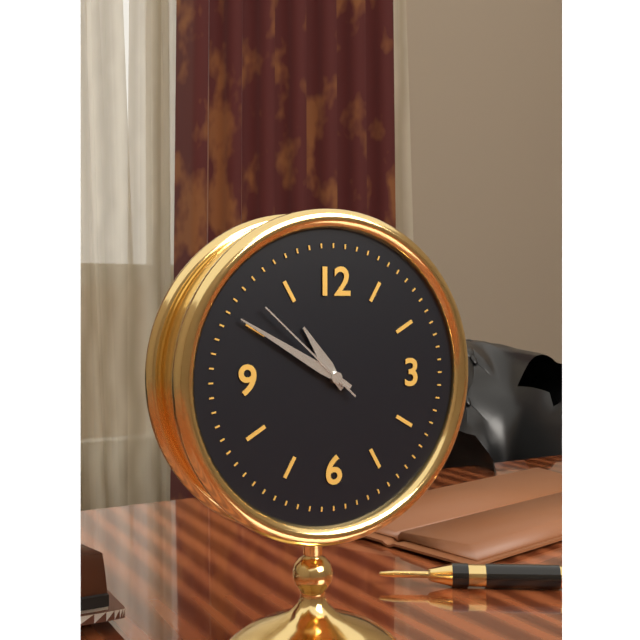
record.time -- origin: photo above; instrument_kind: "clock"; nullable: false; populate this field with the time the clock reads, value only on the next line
10:50:52
